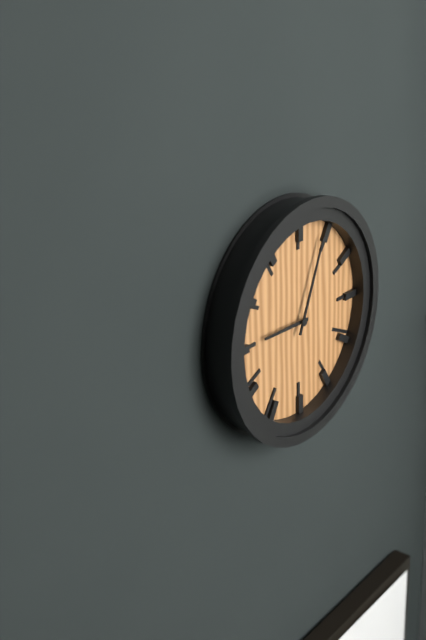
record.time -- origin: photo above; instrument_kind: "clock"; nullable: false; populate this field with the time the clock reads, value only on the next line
9:04
